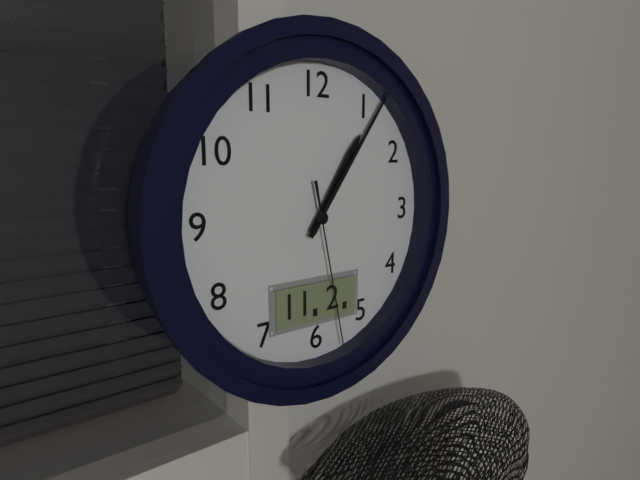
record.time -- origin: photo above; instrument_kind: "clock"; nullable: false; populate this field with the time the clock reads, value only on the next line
1:06:28
